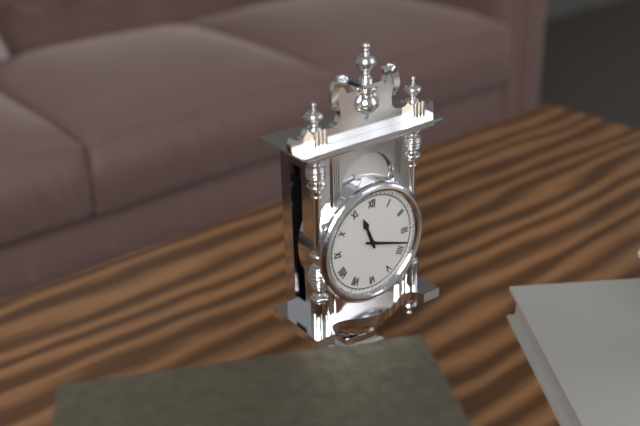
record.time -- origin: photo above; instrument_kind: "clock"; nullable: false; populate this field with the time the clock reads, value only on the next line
11:18
